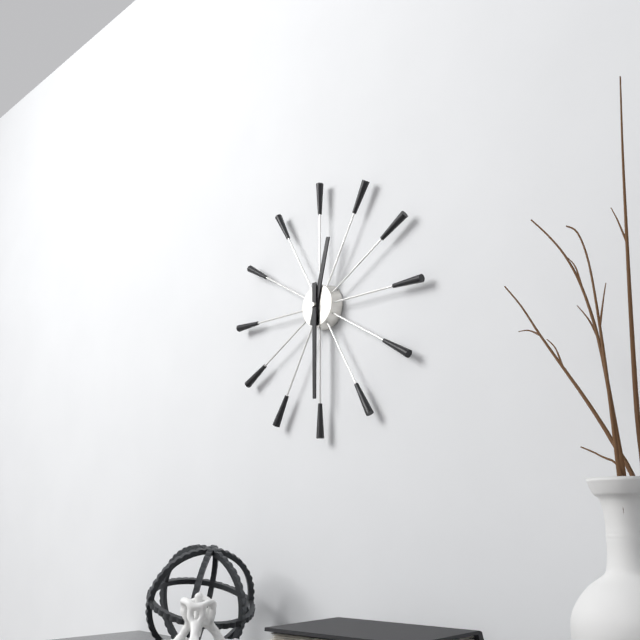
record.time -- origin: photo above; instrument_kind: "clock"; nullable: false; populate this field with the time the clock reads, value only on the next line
12:30
